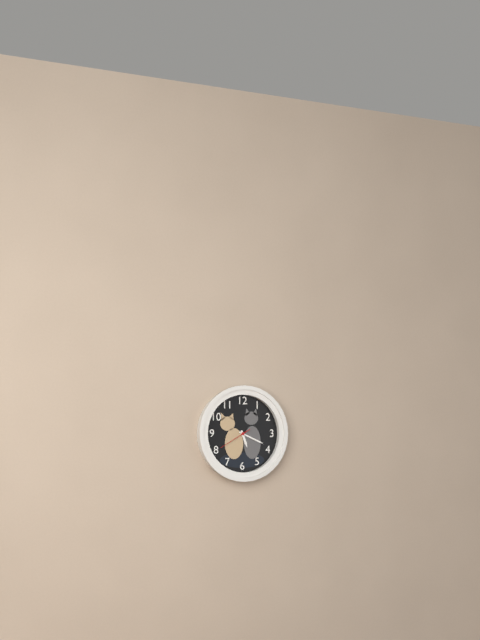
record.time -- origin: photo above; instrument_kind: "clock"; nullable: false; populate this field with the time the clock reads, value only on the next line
5:19
